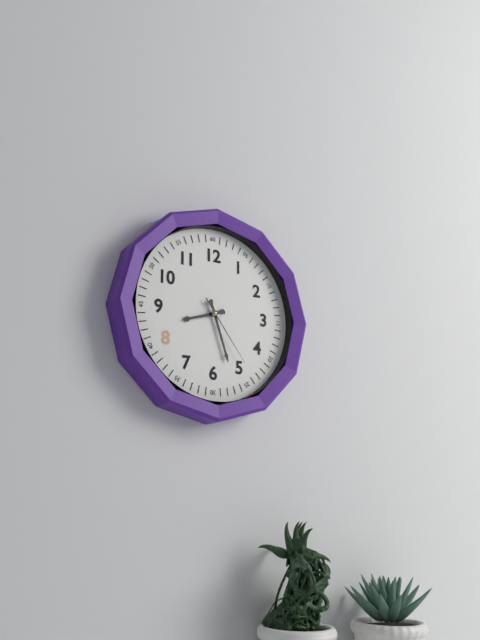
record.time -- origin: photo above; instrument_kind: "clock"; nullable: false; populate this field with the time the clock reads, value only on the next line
8:27:24
